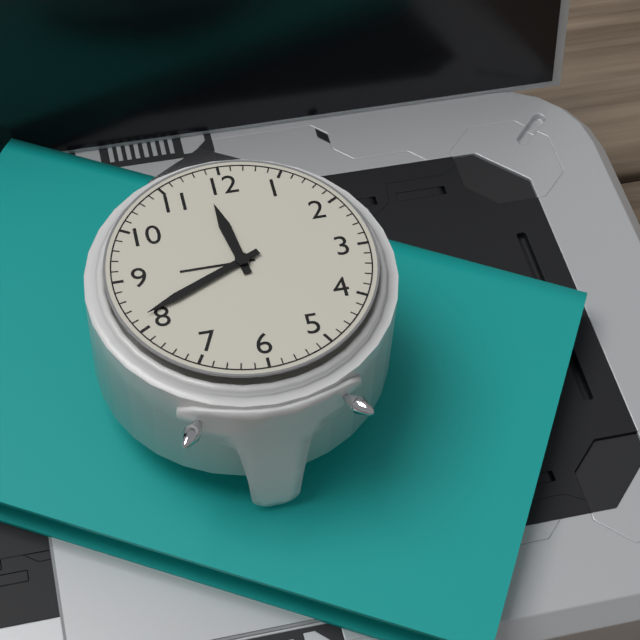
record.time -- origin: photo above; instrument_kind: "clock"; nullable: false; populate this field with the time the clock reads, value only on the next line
11:41
